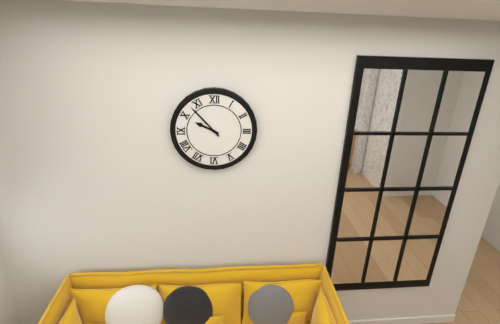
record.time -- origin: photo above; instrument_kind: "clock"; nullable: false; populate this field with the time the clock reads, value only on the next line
9:53
